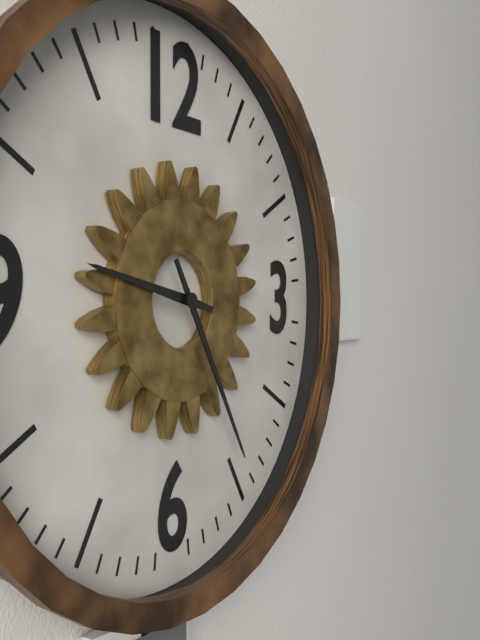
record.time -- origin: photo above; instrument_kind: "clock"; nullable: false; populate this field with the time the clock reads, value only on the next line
9:25
